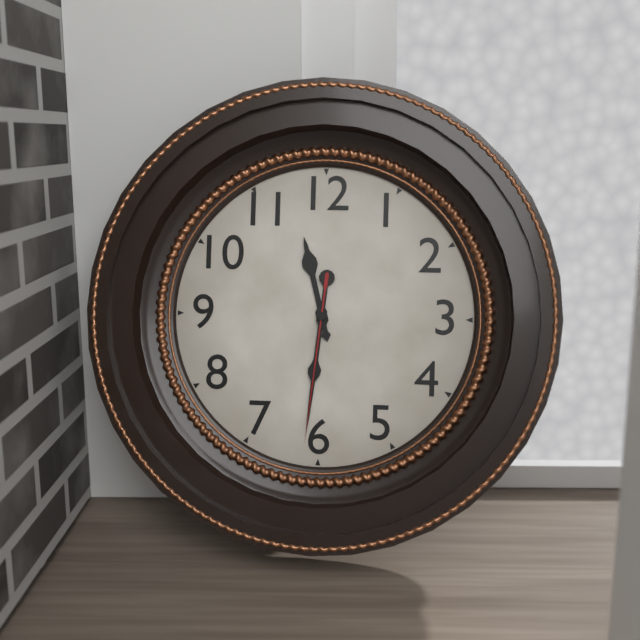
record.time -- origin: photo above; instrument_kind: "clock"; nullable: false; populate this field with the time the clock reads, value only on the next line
11:31:31
